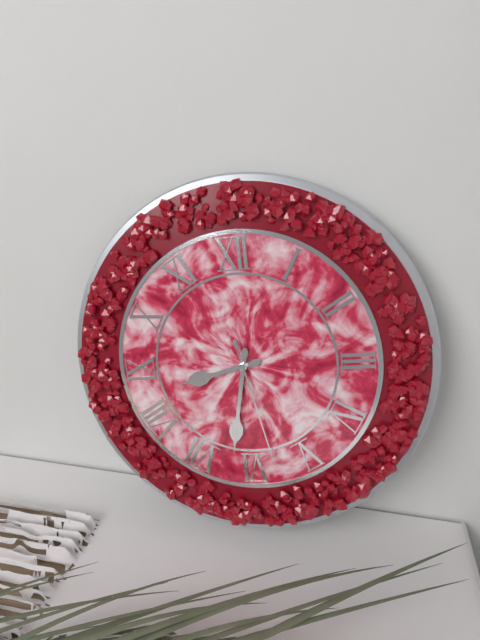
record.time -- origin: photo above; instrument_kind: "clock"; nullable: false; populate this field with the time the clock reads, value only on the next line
8:32:28
